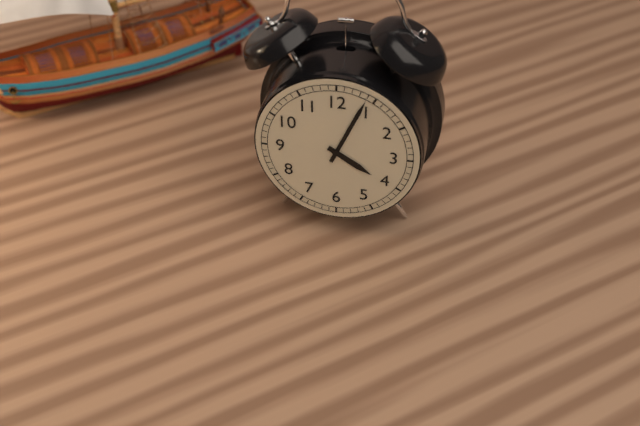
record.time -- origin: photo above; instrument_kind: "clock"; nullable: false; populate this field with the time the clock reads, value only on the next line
4:04
